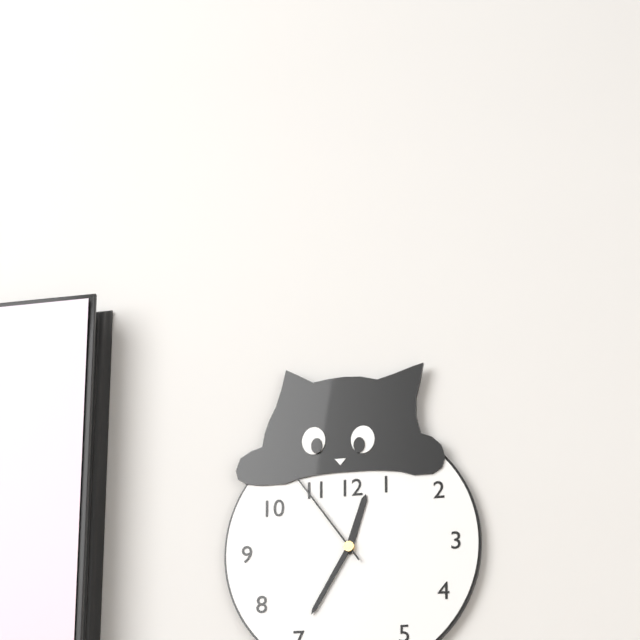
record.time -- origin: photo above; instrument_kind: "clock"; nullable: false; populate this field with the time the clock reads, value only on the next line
12:35:54
